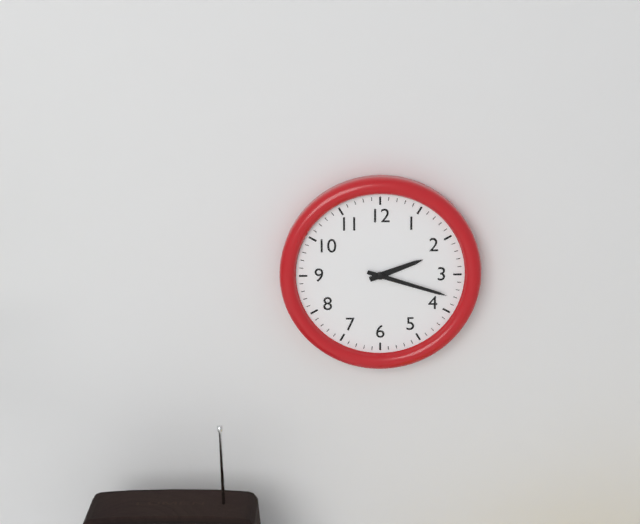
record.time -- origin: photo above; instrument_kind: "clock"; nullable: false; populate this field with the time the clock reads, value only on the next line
2:18
